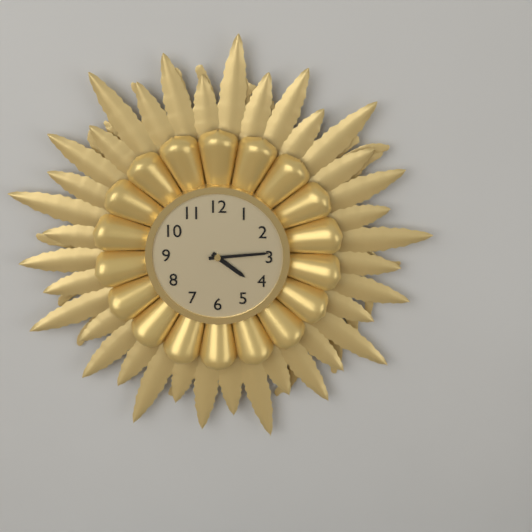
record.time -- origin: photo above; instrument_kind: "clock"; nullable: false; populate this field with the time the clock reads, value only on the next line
4:14
